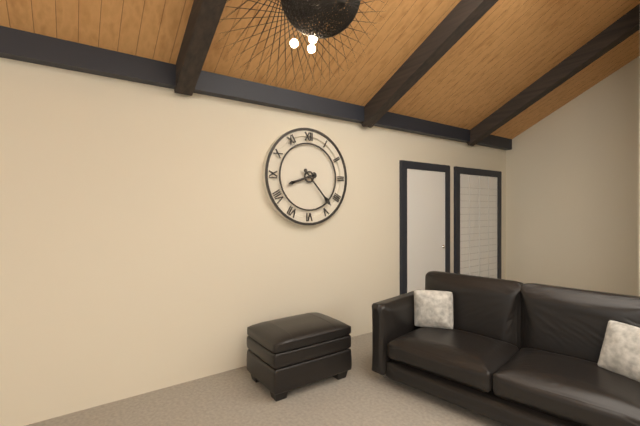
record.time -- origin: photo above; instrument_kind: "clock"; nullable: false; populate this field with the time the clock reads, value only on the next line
8:23
